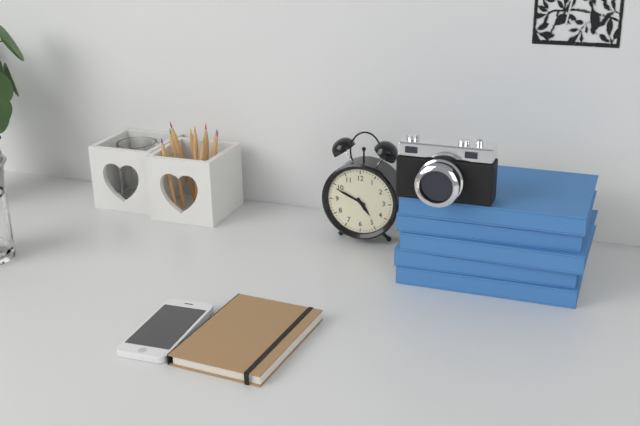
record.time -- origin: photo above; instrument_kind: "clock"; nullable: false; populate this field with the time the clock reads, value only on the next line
4:49
